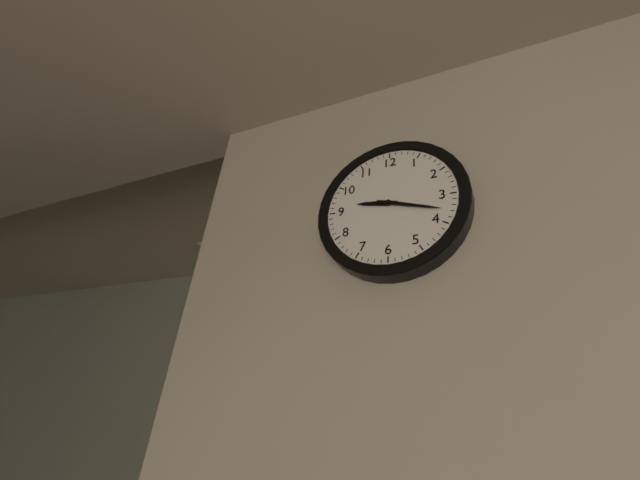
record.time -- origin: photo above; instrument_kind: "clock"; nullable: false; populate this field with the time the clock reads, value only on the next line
9:18
